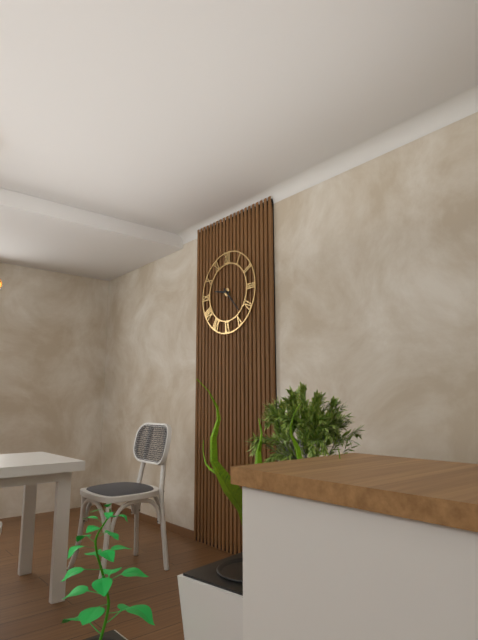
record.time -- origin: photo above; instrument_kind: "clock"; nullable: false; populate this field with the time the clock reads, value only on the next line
9:23
